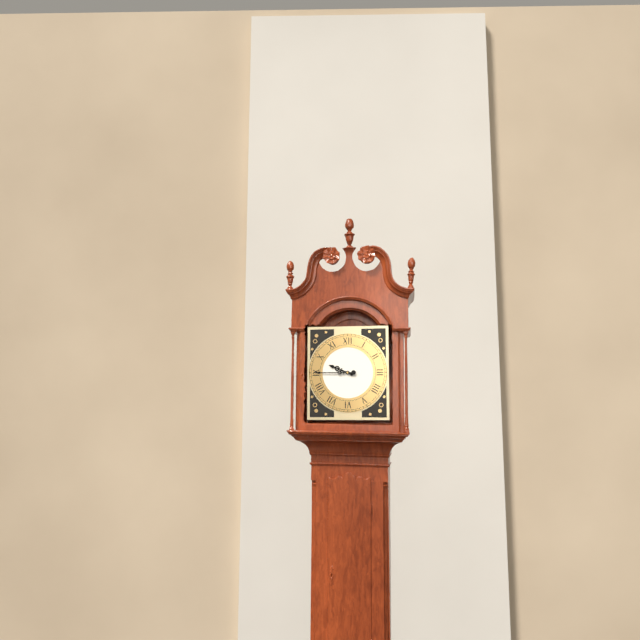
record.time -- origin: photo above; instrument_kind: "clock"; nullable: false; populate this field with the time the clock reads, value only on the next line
9:45
